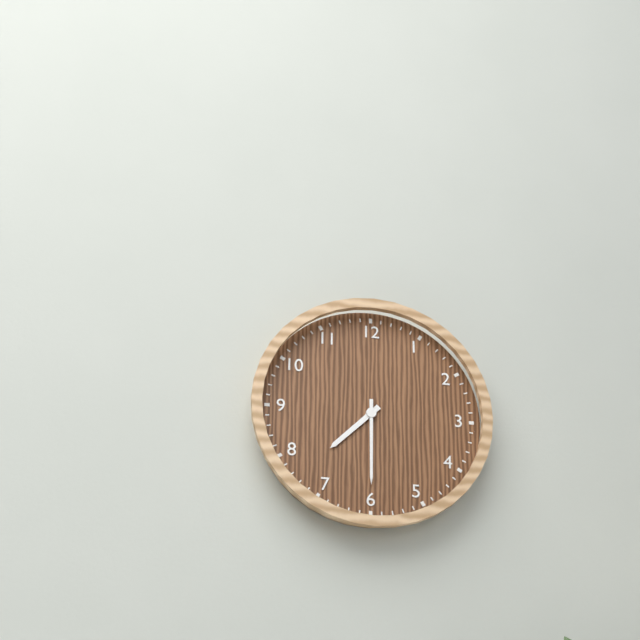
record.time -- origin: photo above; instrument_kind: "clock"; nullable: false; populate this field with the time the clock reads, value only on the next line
7:30
